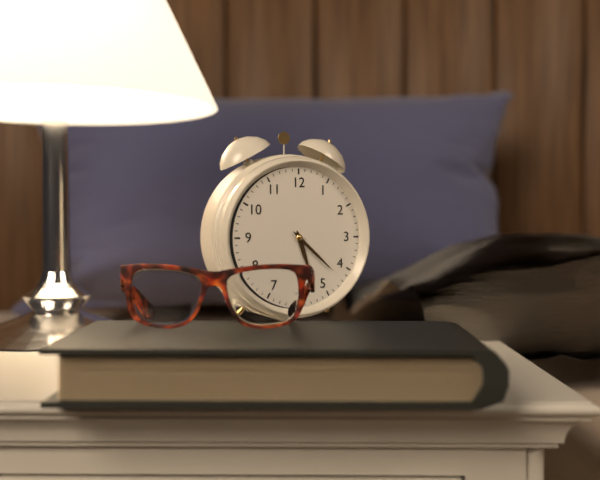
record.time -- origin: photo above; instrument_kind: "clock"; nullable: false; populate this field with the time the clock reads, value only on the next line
5:22
